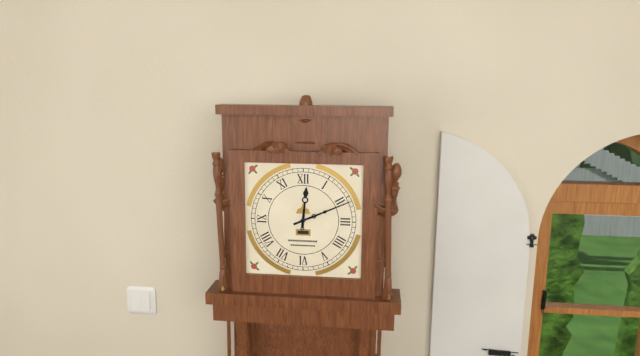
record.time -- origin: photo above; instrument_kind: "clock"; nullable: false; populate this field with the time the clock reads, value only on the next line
12:11
